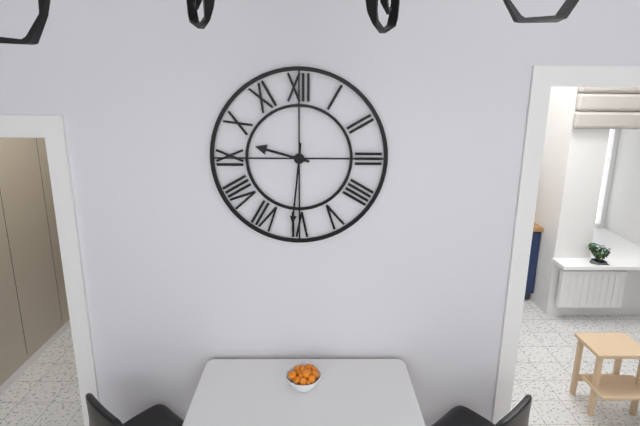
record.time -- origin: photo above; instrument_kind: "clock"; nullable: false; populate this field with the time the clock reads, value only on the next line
9:31
